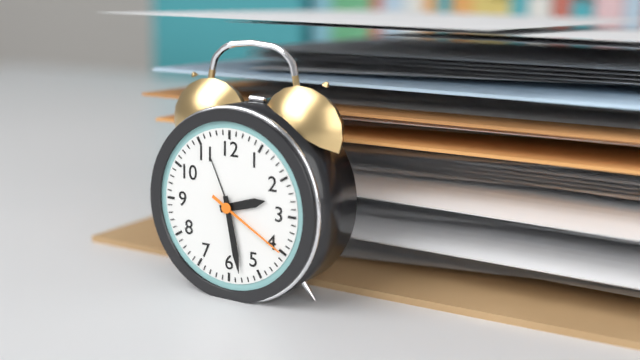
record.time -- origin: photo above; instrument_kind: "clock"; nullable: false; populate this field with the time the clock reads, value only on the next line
2:28:20
